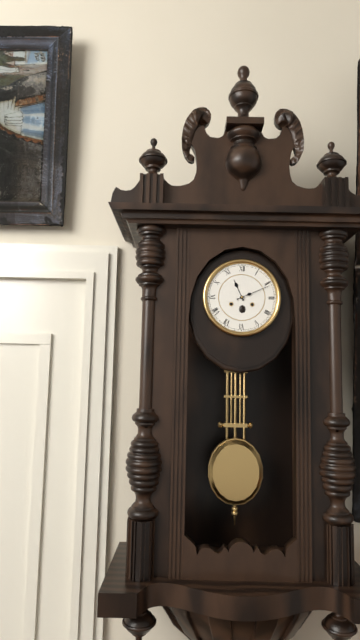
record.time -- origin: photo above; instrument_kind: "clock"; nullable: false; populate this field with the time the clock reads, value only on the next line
11:11
